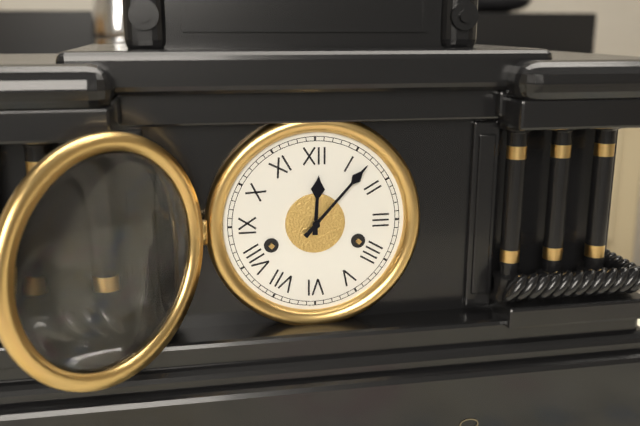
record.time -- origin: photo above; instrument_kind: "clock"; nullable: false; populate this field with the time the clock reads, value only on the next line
12:07
